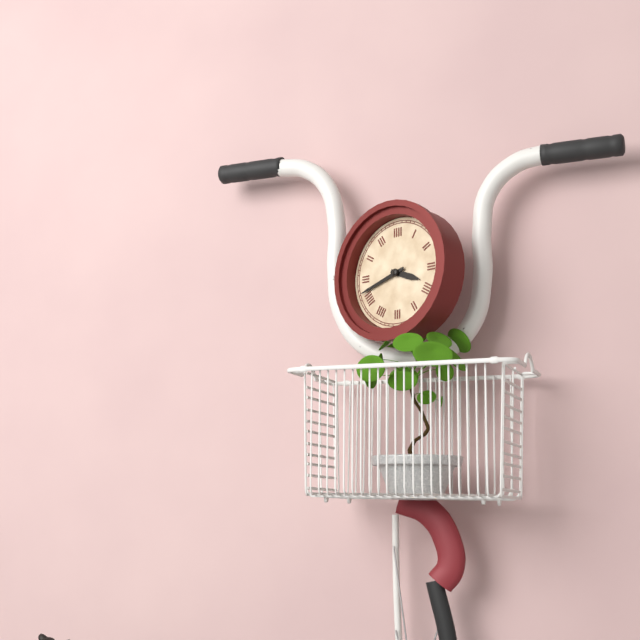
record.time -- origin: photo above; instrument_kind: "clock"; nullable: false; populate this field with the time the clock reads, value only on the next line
3:42
